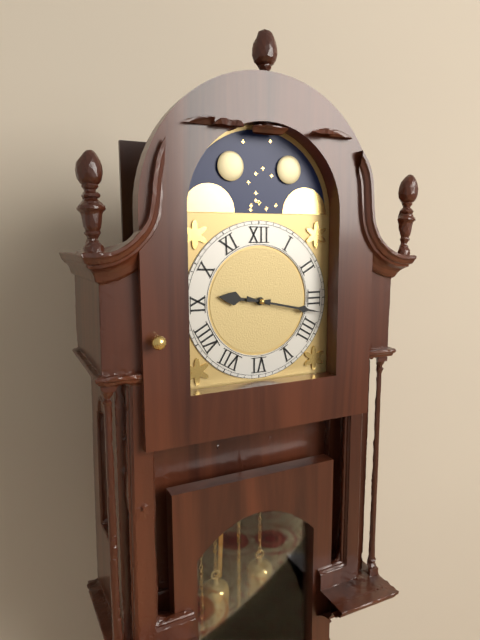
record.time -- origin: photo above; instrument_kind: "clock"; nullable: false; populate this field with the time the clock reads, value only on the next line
9:17
